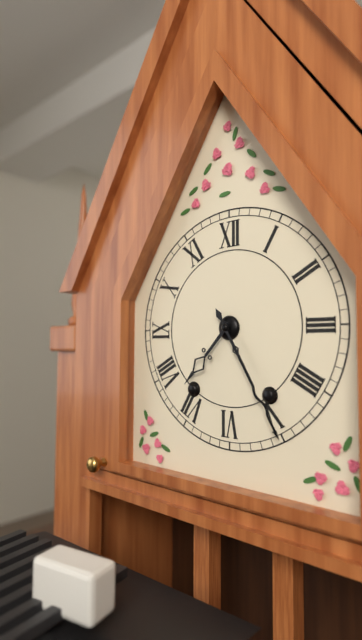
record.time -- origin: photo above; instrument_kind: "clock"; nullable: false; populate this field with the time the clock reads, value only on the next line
7:25
